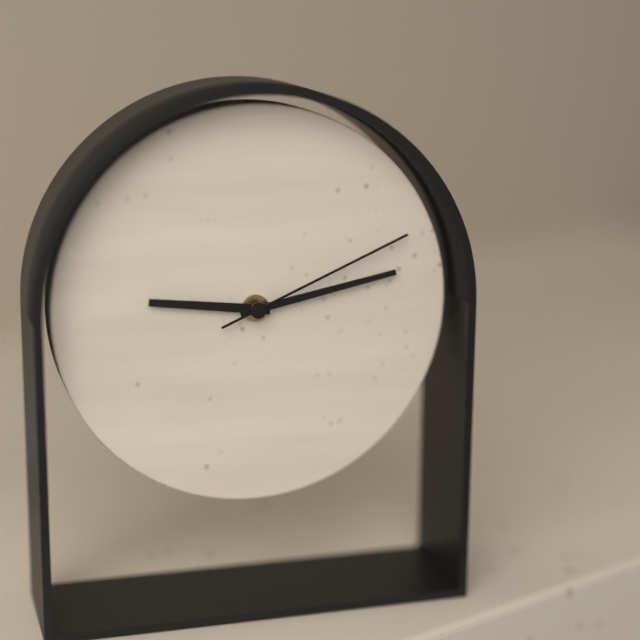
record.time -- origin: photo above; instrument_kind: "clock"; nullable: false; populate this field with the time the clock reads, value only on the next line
9:13:11
